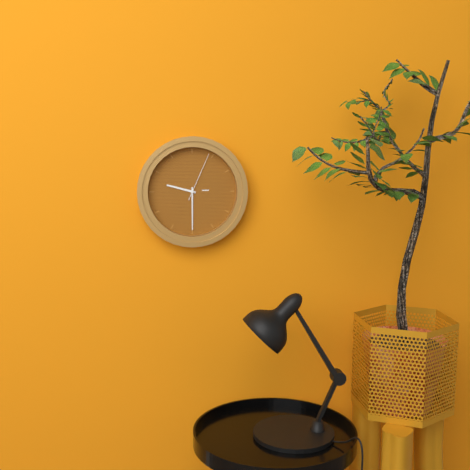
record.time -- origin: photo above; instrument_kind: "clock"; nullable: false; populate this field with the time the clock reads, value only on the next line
9:30:04
